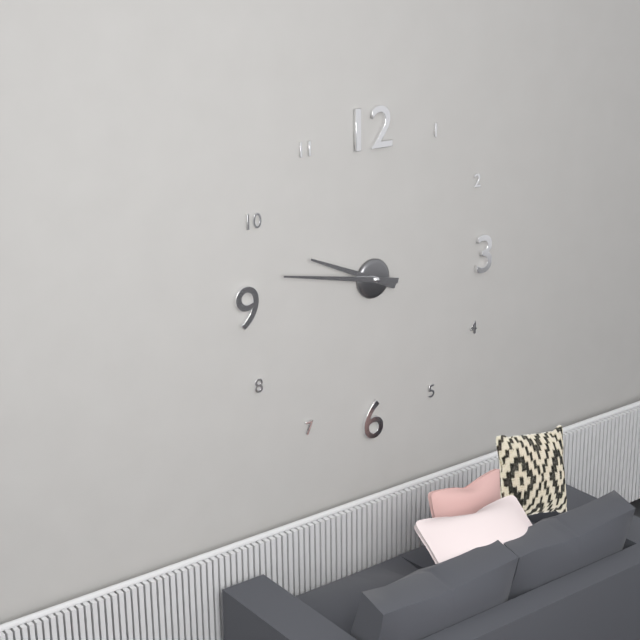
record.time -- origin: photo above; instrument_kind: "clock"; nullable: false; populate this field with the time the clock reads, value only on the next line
9:47
